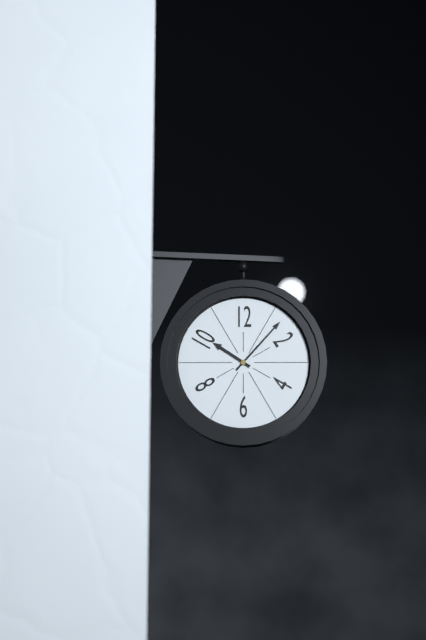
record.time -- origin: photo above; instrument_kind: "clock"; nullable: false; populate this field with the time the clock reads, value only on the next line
10:07
